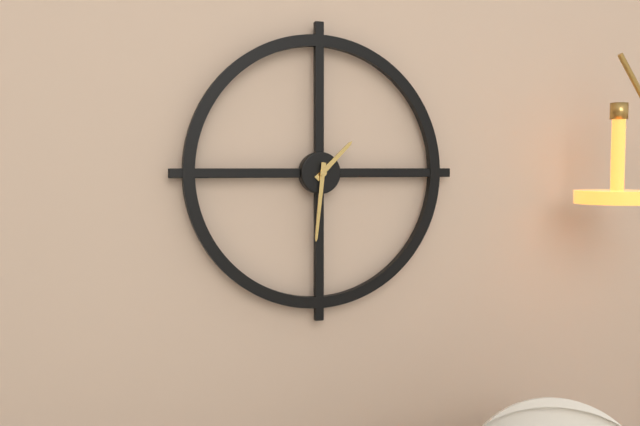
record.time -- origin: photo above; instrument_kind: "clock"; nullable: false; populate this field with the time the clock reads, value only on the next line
1:31
